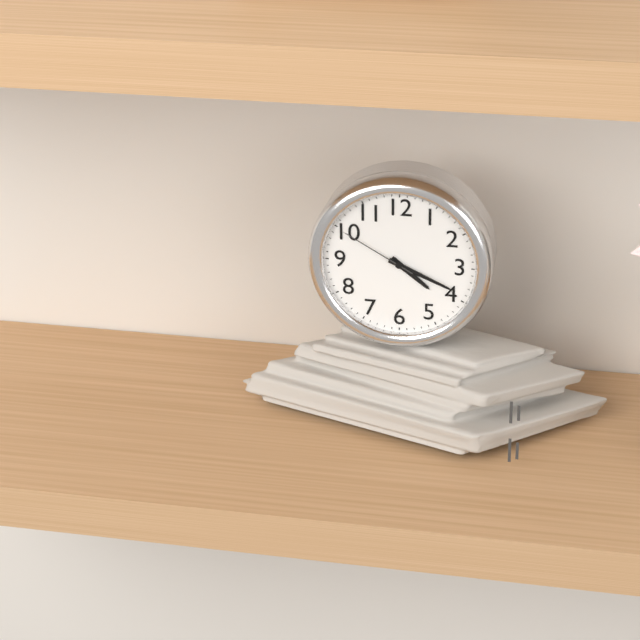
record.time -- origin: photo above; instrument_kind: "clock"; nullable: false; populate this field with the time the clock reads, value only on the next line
4:19:50
